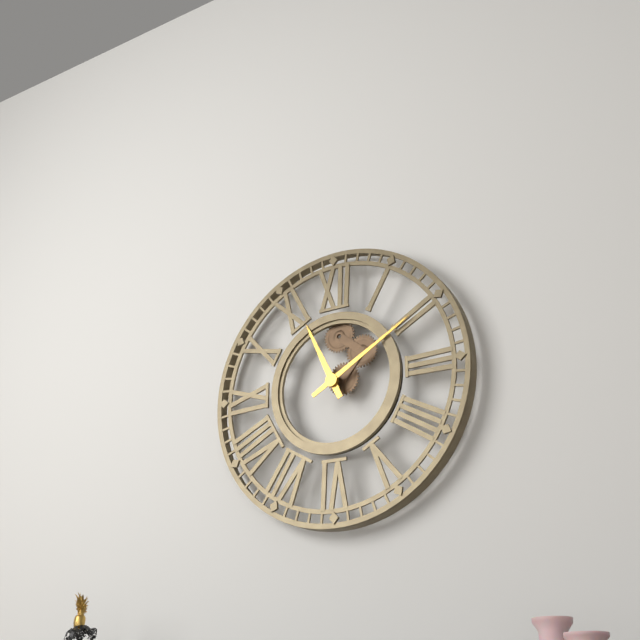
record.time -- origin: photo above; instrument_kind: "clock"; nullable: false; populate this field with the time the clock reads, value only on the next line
11:10
